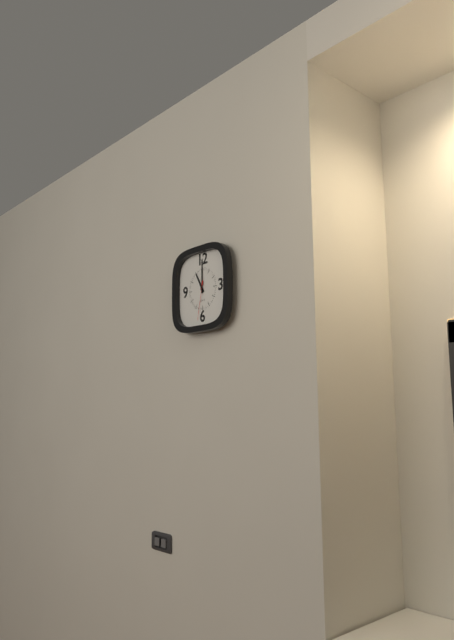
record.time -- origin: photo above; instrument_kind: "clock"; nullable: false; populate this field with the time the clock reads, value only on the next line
11:00
